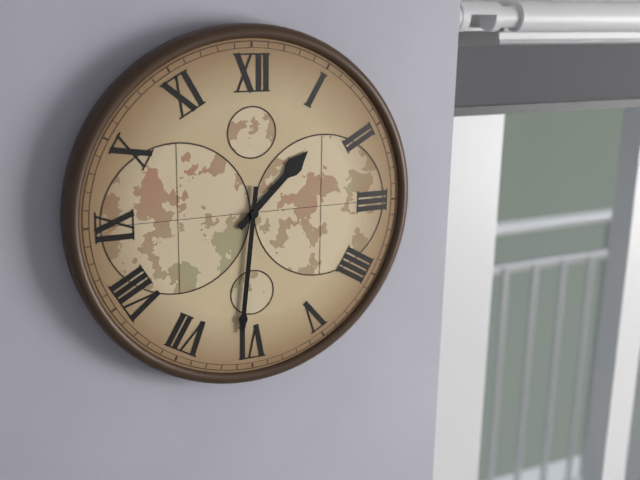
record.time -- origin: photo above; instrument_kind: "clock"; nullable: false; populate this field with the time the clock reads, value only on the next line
1:31
